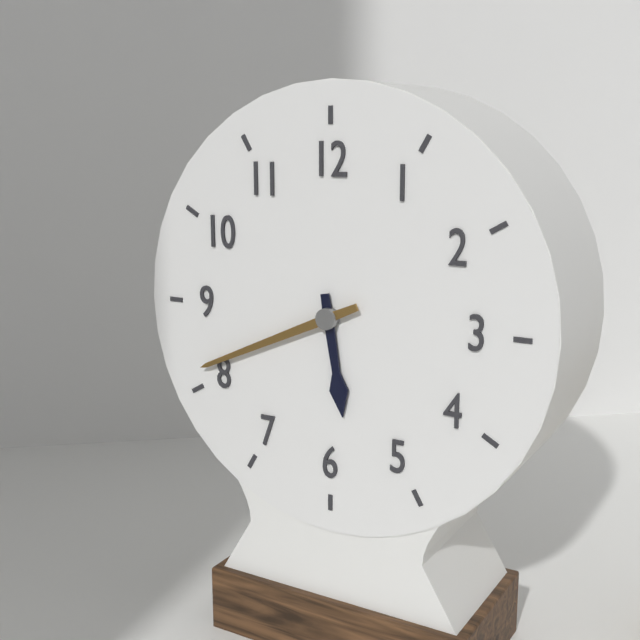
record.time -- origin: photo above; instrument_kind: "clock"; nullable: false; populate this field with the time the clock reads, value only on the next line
5:41
